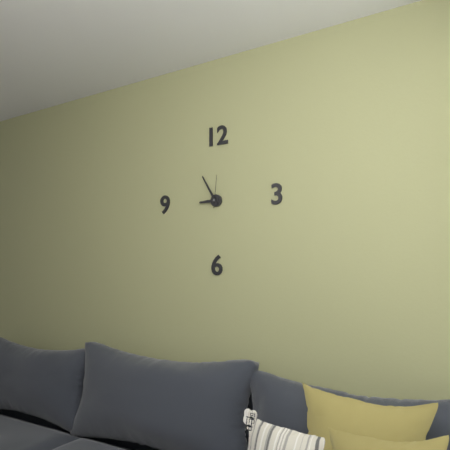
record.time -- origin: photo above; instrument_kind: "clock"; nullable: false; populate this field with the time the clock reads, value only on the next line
8:55
